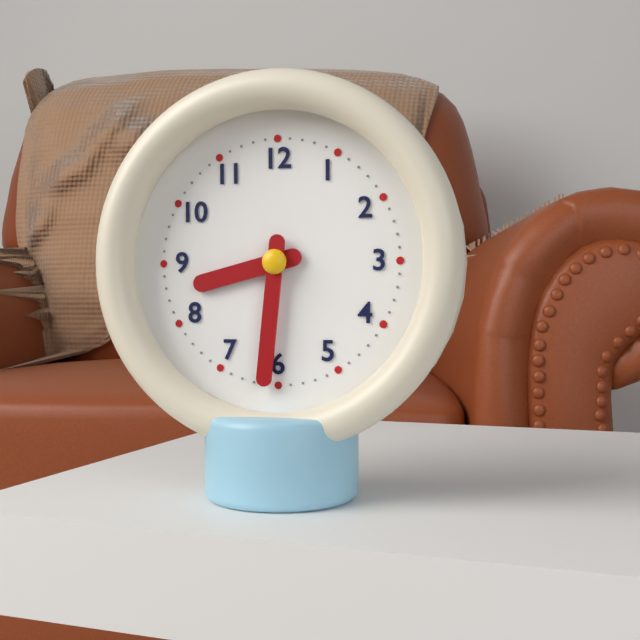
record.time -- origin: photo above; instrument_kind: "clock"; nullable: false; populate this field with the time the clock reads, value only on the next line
8:31
